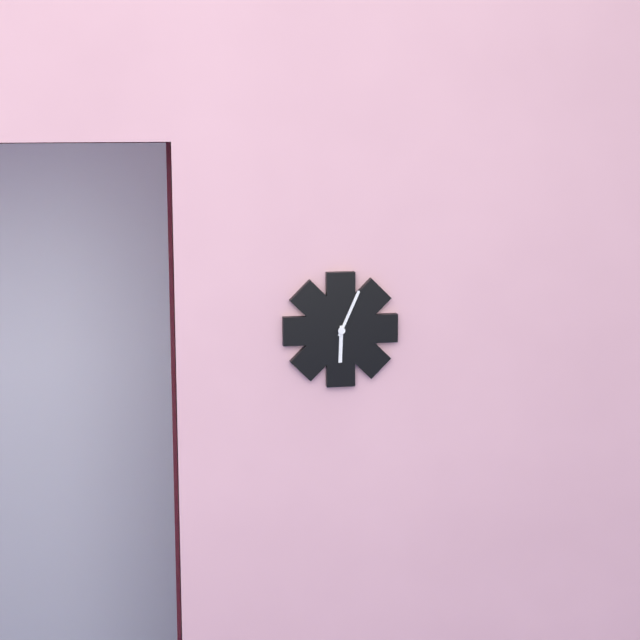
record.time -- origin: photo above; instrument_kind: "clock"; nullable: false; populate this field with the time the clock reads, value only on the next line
6:04
